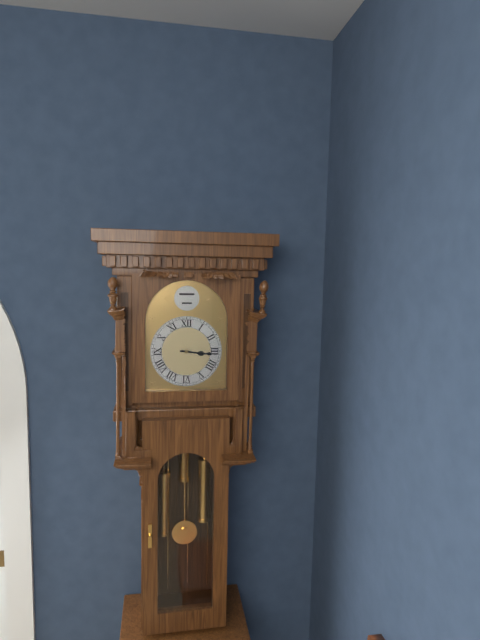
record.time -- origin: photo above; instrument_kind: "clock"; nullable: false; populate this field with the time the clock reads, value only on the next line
3:16
